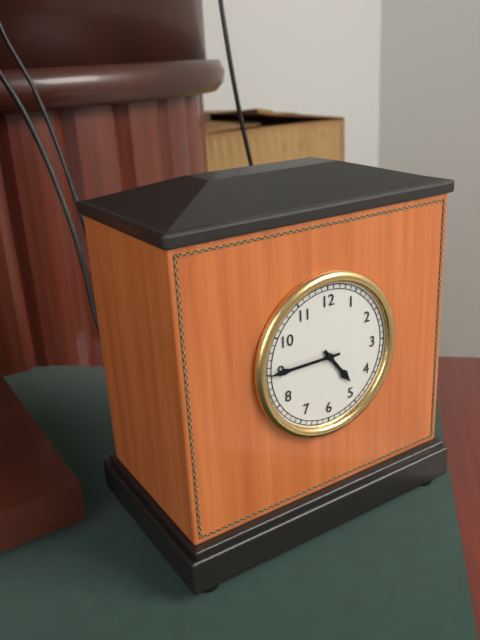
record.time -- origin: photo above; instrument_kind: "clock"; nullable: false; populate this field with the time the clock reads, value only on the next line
4:45
